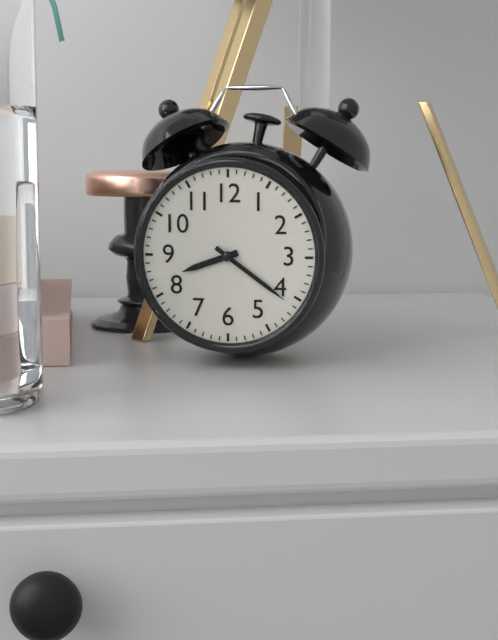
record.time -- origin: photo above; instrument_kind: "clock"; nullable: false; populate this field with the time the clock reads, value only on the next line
8:21
